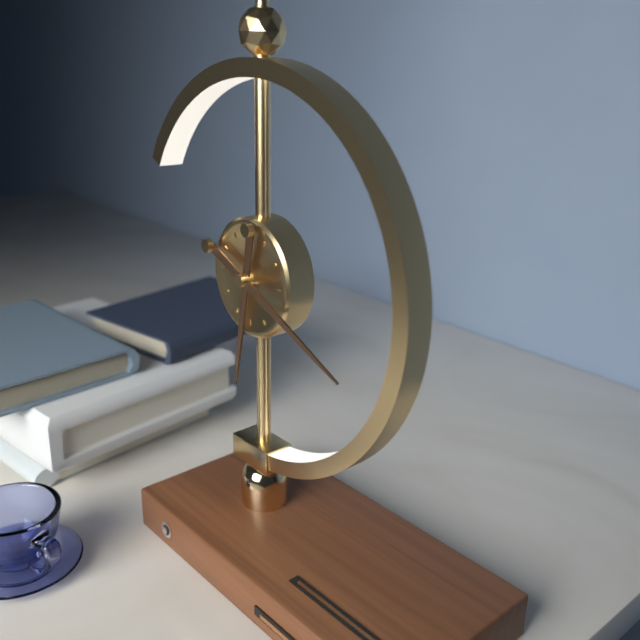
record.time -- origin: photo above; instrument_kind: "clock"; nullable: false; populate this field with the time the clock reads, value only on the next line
6:19
